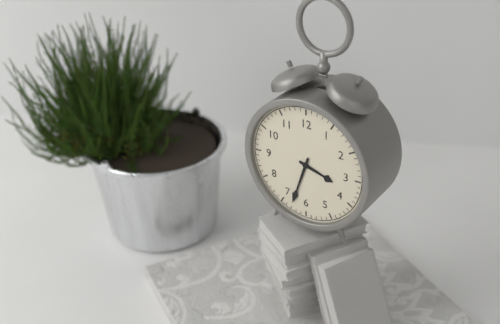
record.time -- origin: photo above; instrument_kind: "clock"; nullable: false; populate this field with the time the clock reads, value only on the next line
3:33
